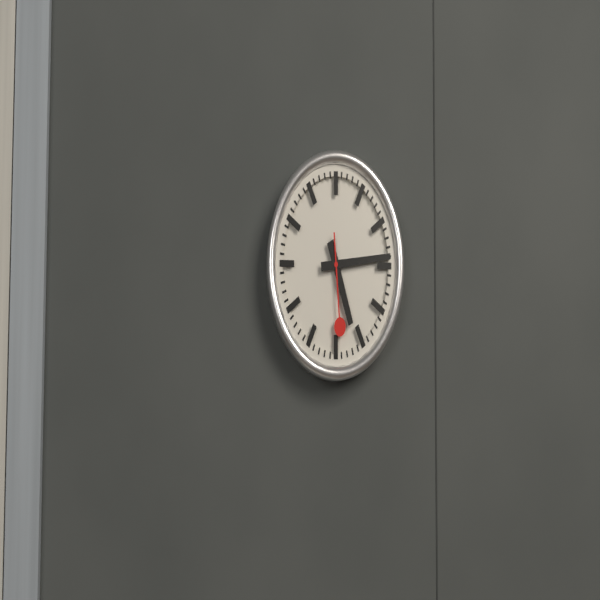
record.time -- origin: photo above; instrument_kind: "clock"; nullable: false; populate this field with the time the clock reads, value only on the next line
5:14:29
